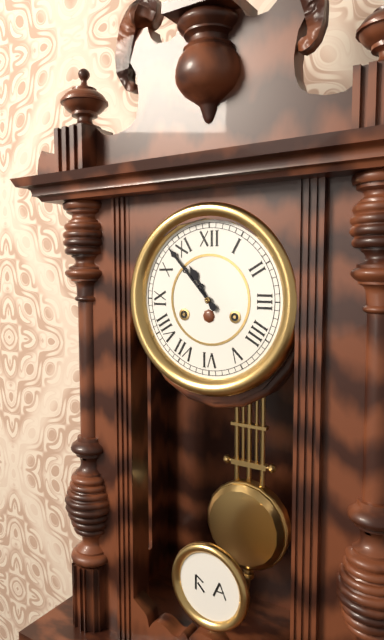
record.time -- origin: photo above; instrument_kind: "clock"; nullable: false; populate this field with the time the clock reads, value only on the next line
10:53
